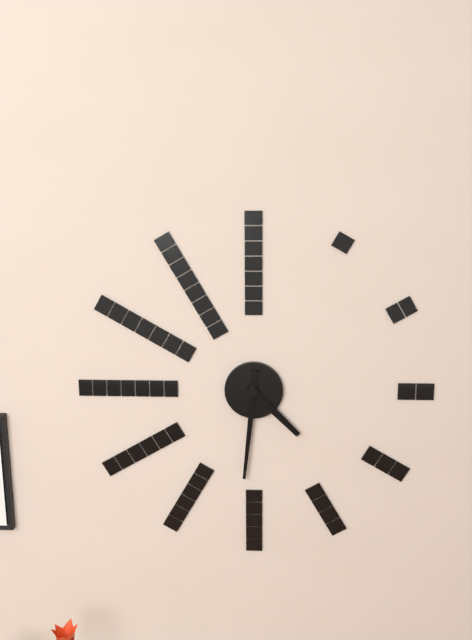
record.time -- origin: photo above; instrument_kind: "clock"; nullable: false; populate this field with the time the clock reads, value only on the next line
4:31
